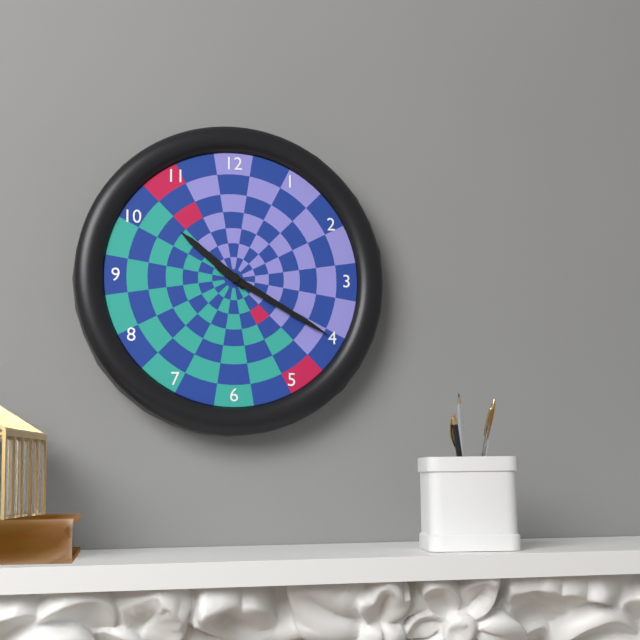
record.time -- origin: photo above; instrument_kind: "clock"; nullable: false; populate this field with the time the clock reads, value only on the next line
10:20
